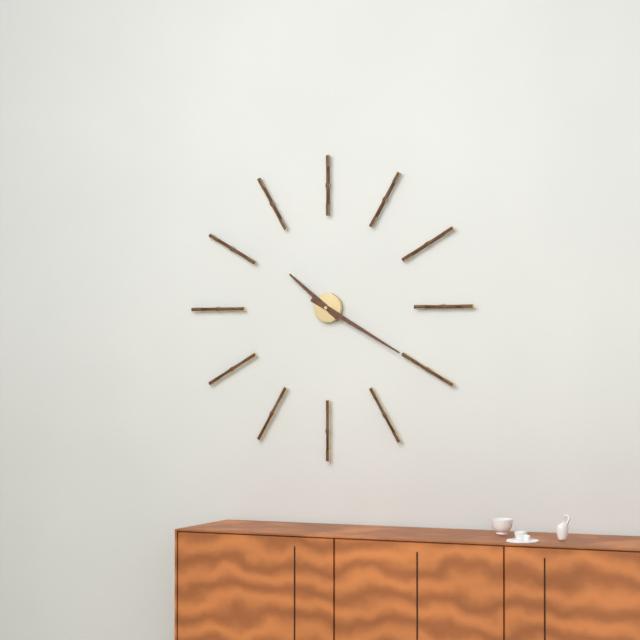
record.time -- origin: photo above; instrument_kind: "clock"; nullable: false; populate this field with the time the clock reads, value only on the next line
10:20
